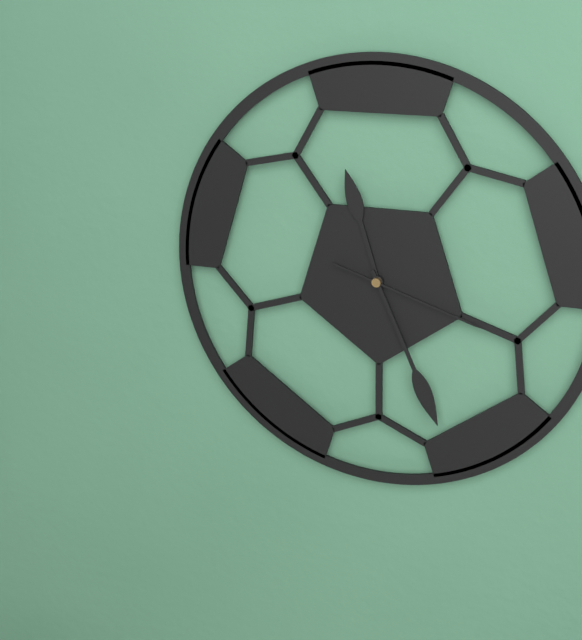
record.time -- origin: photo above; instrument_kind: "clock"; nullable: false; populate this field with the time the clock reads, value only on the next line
11:26:18
